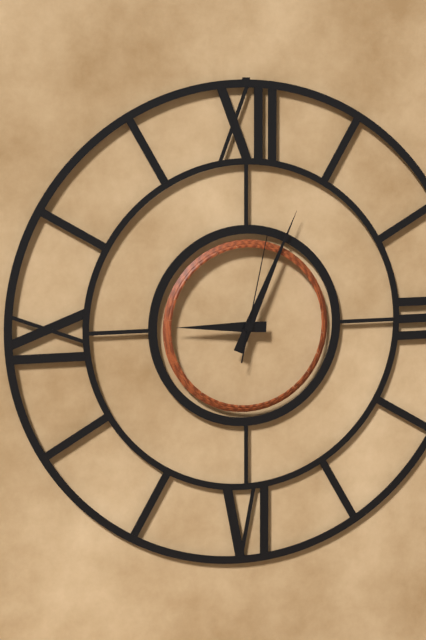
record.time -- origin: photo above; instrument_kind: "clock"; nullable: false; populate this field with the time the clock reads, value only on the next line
9:04:02
